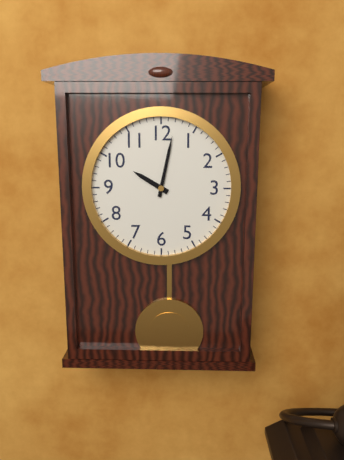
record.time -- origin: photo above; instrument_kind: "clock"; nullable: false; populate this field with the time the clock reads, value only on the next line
10:02
